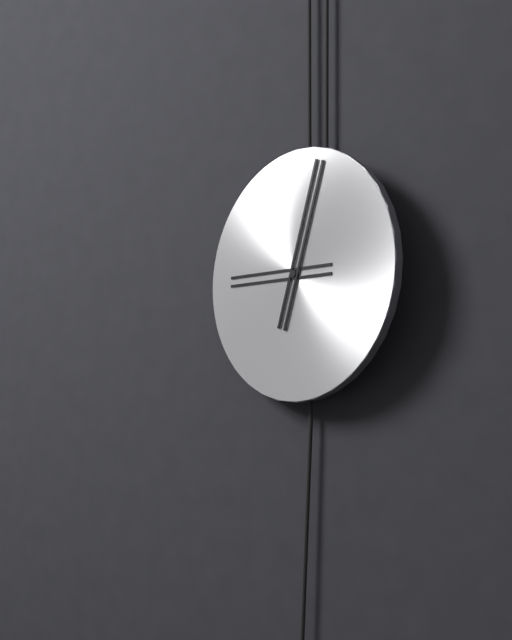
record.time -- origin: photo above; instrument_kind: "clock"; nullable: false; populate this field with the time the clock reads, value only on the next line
9:03
